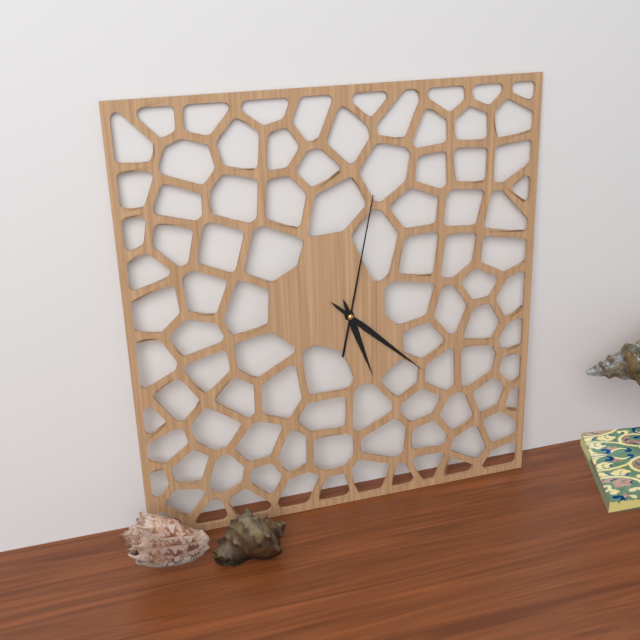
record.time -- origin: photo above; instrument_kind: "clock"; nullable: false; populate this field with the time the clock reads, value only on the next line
5:22:02
